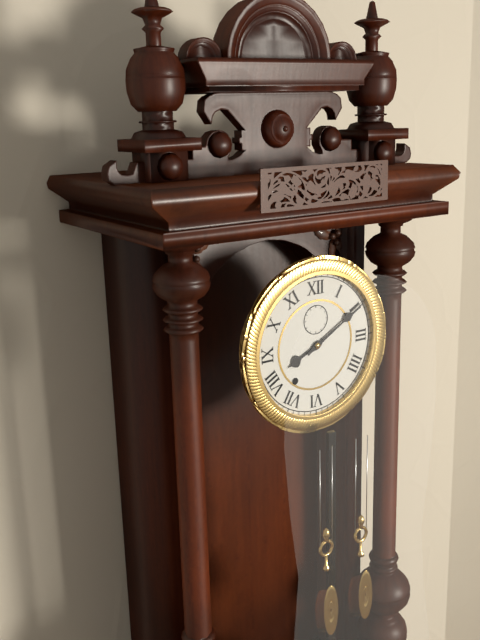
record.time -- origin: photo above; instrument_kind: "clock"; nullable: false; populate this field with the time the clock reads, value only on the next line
8:10
